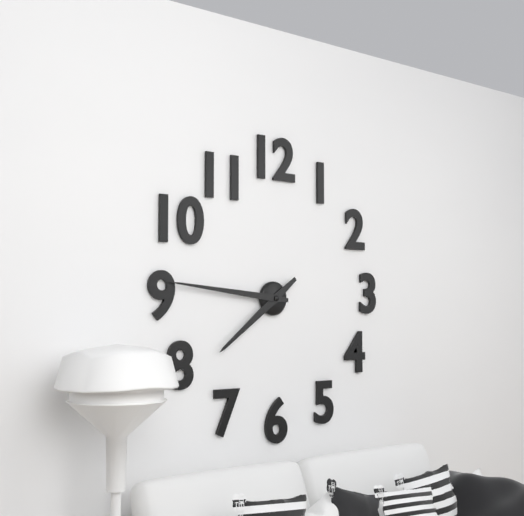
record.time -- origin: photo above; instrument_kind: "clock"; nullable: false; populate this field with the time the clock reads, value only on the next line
7:46
